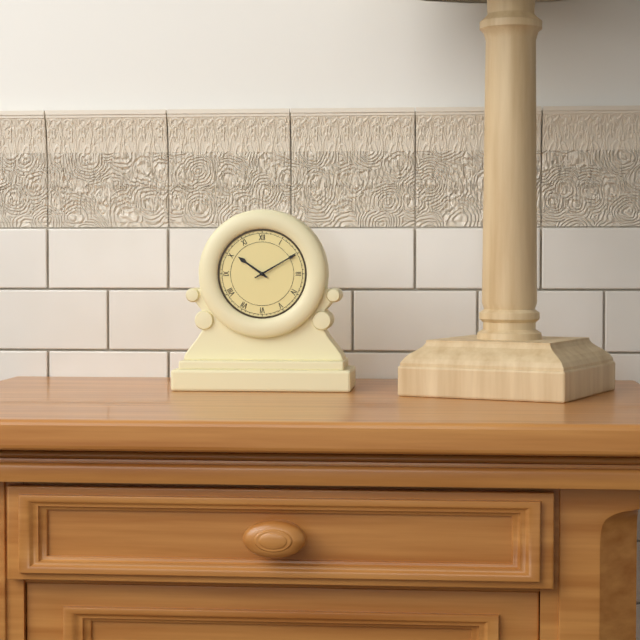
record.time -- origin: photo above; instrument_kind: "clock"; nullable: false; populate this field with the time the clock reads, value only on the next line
10:10
